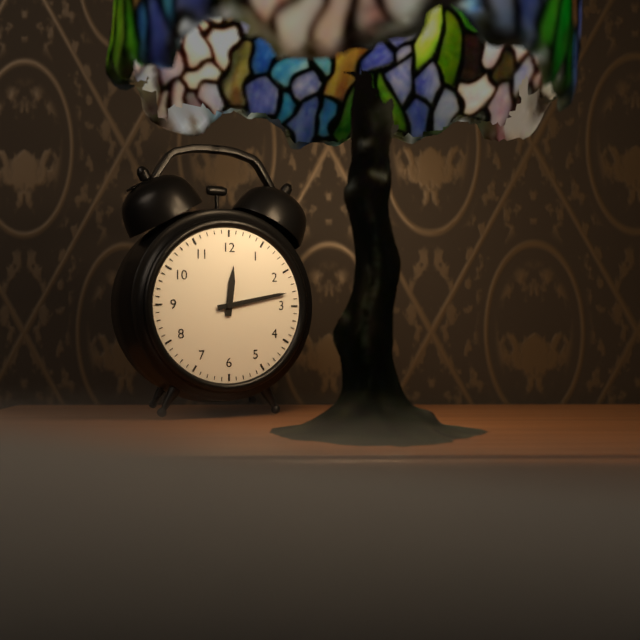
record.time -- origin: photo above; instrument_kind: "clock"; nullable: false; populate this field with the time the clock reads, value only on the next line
12:13
